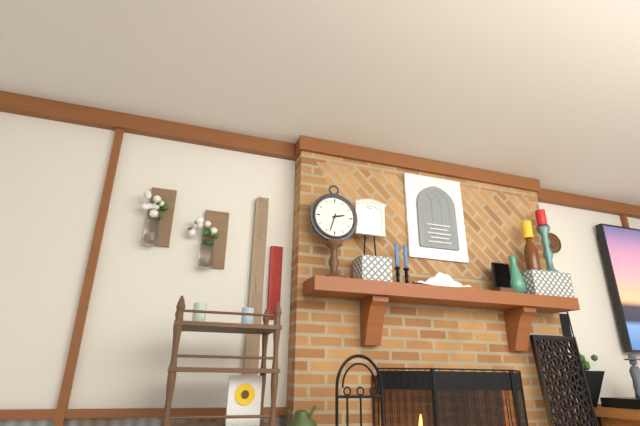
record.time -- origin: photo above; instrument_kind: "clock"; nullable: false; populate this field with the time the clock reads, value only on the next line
2:33
